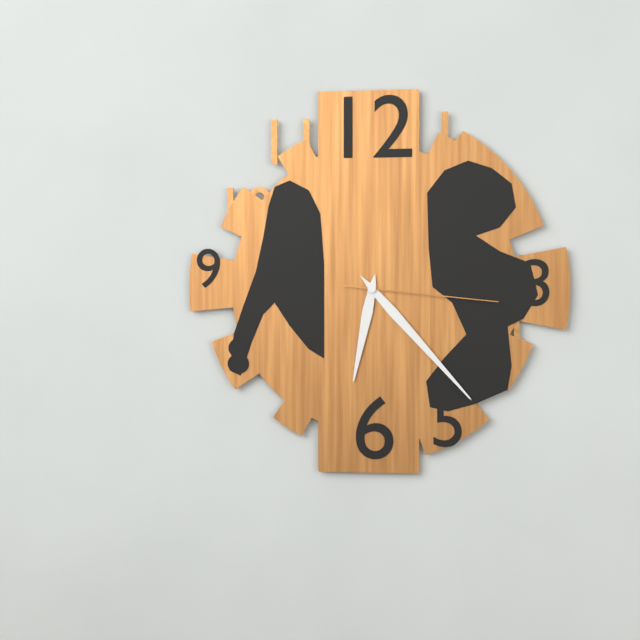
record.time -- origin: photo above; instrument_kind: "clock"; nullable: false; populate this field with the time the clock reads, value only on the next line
6:23:16
